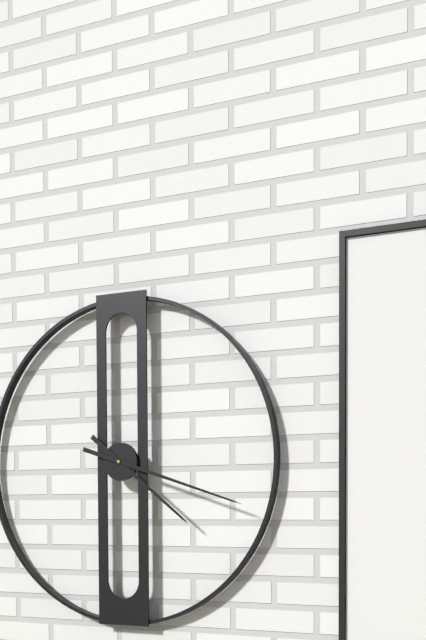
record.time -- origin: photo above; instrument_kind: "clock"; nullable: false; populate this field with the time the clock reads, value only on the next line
4:18
